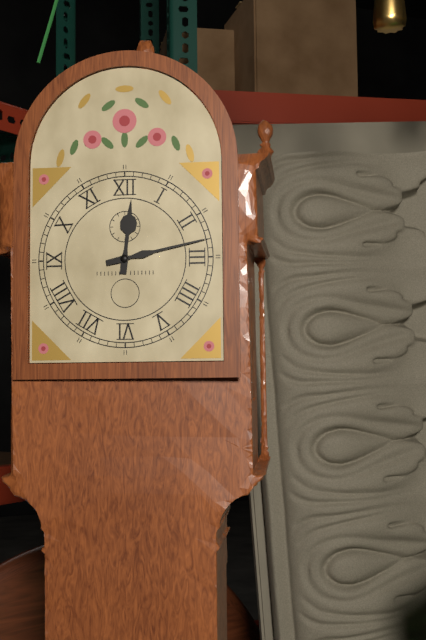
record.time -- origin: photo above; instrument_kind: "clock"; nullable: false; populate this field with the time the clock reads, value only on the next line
12:13
